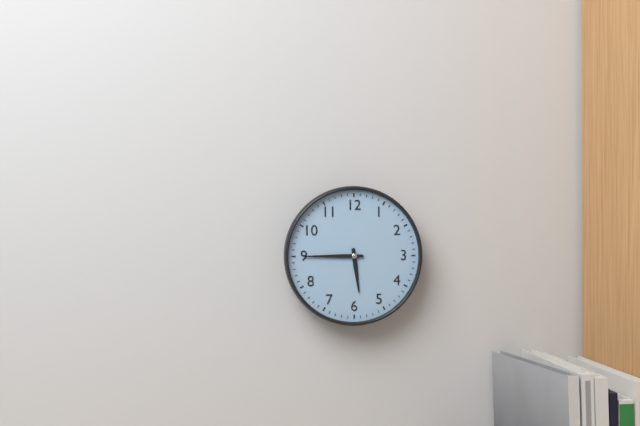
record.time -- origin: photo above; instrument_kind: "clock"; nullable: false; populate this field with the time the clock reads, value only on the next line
5:45
